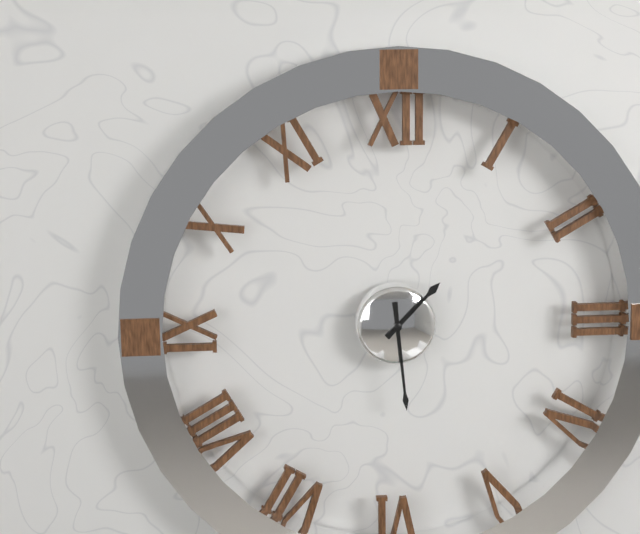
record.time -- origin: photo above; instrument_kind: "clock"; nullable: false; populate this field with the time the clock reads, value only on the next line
1:29
